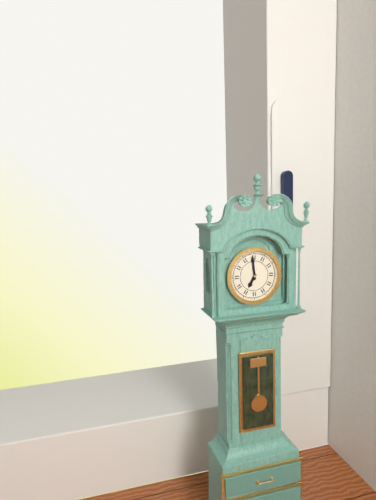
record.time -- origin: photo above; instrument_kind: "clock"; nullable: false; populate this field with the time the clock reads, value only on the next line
6:59
